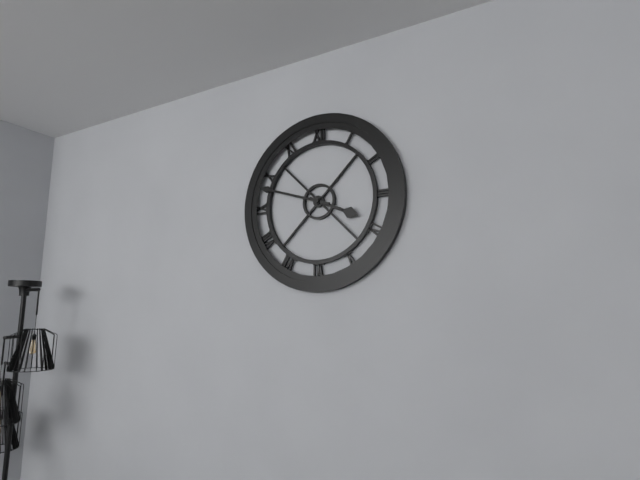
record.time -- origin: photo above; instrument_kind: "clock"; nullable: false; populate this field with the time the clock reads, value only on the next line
3:48
